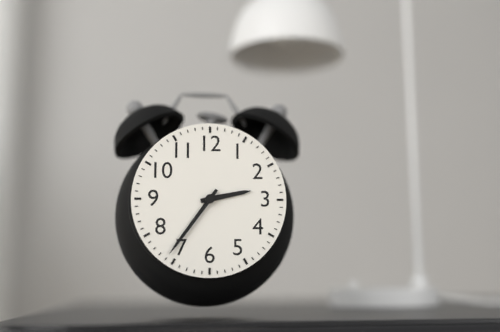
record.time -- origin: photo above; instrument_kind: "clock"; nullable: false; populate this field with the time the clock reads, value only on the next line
2:36
